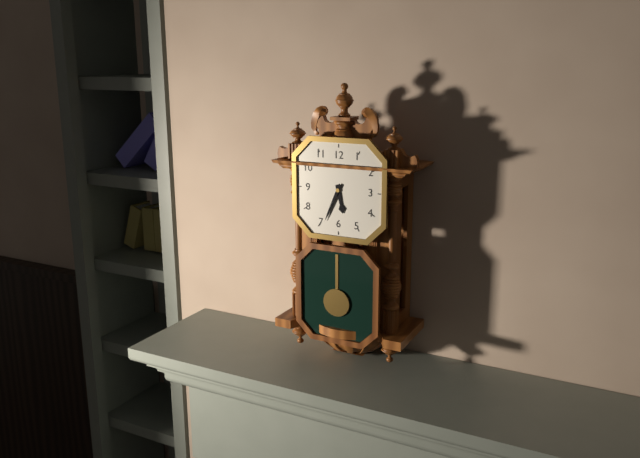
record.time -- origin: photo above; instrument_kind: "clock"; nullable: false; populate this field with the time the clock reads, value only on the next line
5:34
